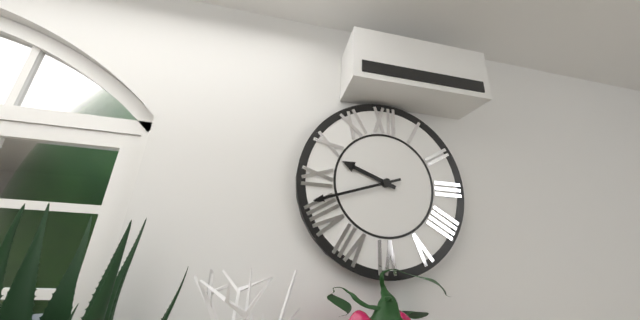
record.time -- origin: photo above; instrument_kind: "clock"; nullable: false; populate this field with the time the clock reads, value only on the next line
9:42
